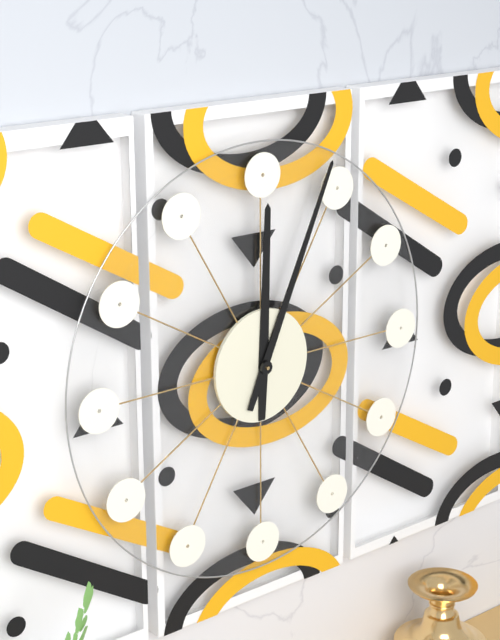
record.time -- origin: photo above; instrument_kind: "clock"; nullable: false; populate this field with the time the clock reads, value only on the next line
12:04
